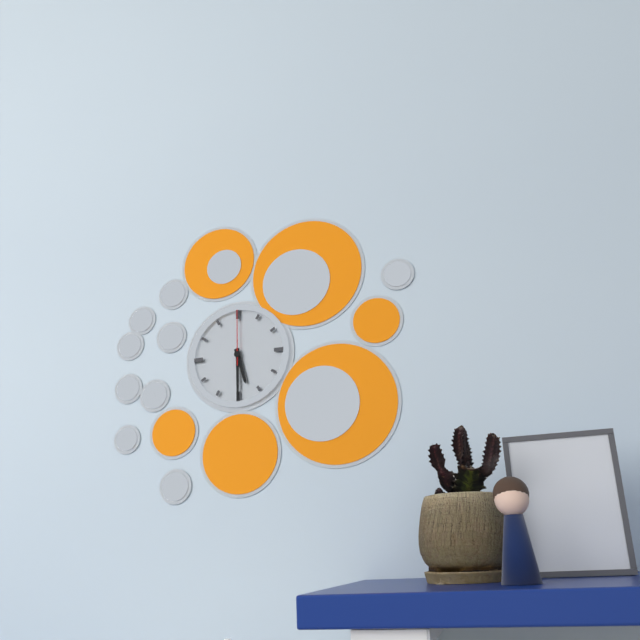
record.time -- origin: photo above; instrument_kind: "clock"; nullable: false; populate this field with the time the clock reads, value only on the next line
5:30:00
